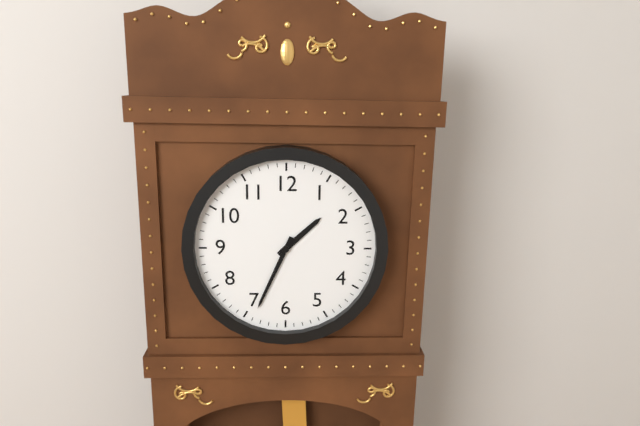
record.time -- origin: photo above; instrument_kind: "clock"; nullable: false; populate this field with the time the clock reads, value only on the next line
1:34
